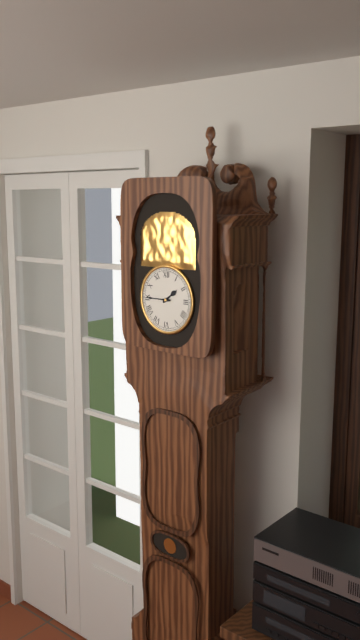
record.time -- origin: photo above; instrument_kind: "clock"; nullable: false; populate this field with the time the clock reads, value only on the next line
1:45
